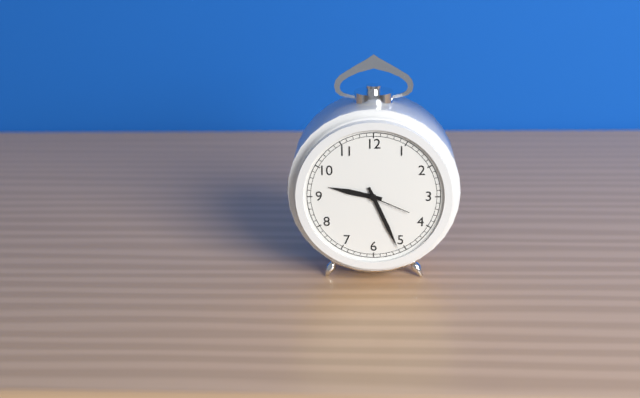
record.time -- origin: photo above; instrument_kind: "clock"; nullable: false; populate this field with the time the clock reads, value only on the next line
9:26
